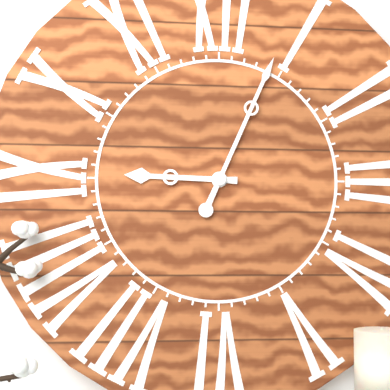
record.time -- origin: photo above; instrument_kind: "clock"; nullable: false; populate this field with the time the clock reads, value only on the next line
9:04
